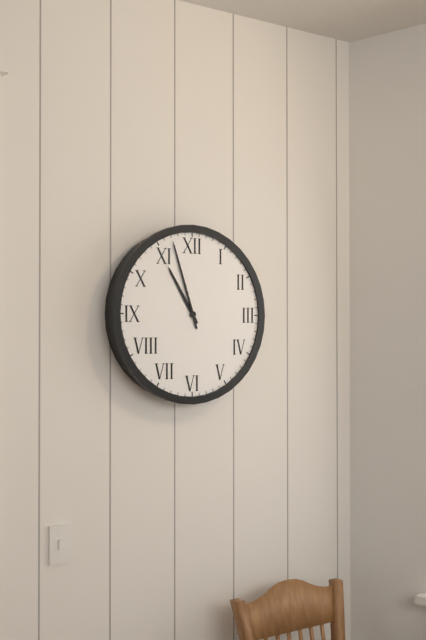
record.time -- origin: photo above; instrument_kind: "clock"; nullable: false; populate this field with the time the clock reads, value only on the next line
10:57
